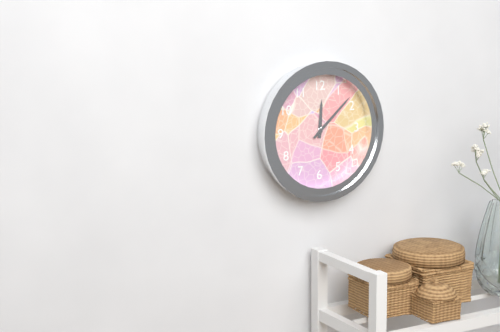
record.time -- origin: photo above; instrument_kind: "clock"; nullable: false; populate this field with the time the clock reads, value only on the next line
12:08
